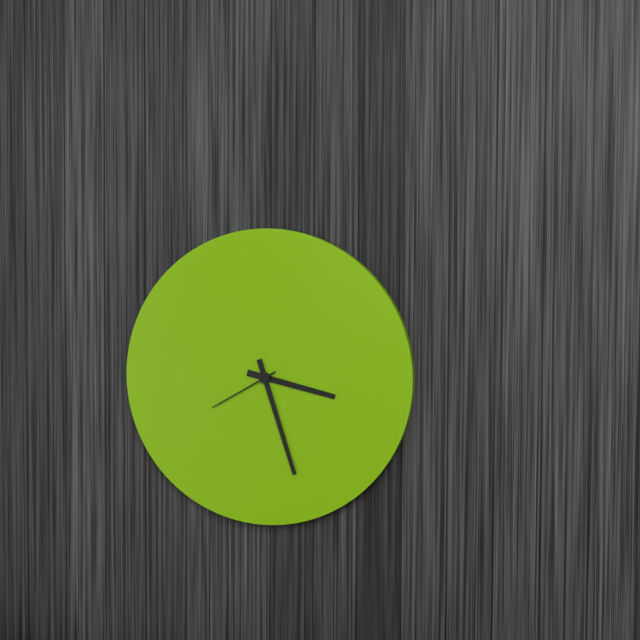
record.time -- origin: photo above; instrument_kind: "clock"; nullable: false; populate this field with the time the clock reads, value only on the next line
3:27:40
